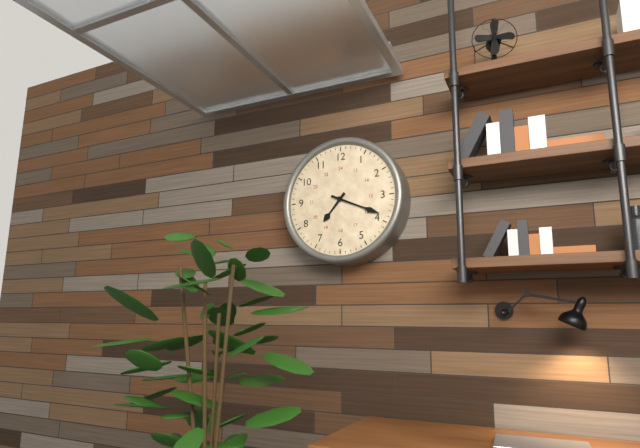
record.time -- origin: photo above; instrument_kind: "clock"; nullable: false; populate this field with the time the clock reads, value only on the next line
7:19
